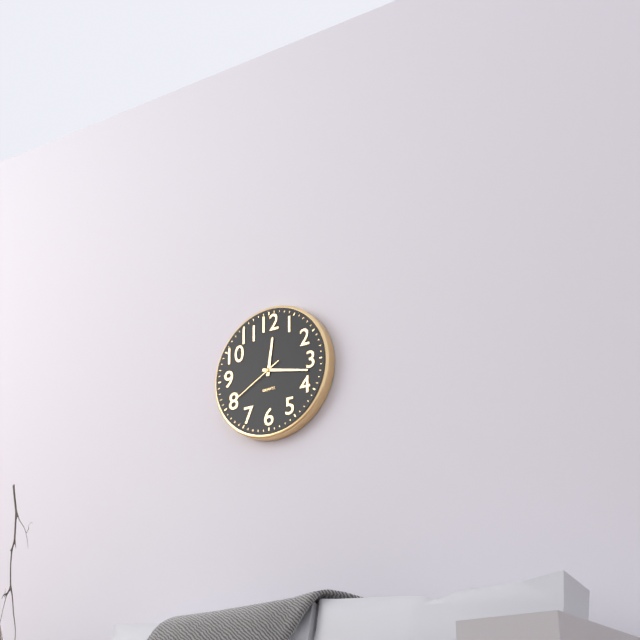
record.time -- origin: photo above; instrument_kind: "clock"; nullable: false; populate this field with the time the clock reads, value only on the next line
12:17:40
